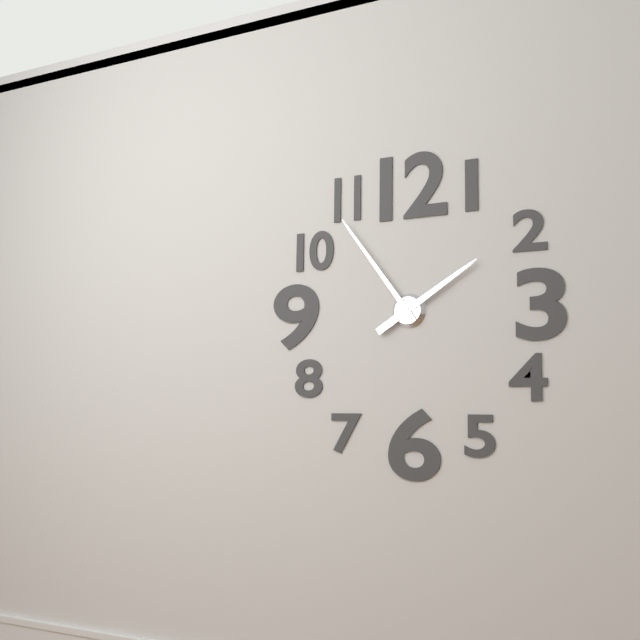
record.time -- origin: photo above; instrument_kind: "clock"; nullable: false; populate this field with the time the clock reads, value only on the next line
1:54
